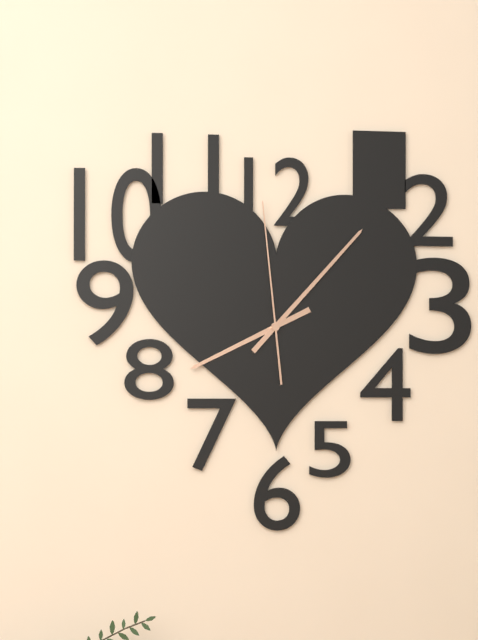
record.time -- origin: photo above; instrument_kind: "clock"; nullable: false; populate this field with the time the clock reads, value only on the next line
8:07:59
